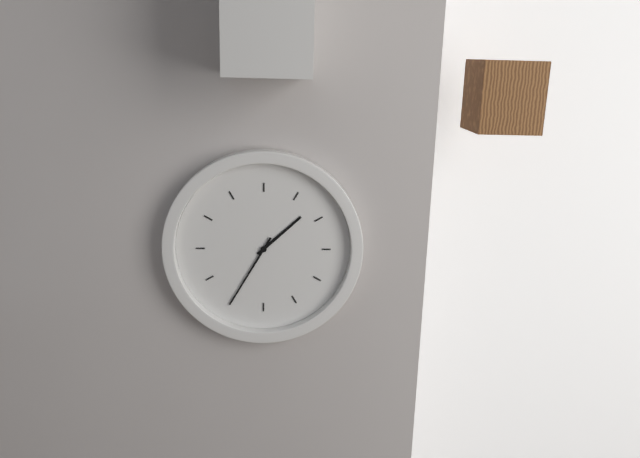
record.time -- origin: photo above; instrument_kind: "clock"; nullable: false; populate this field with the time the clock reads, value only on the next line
1:35
